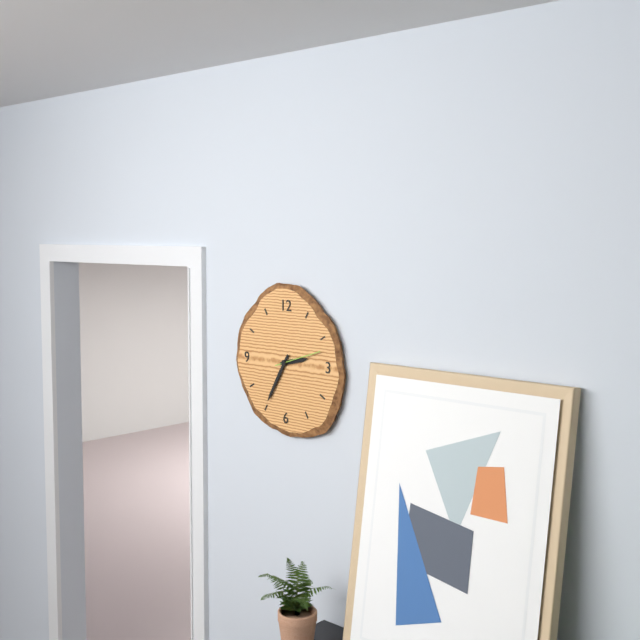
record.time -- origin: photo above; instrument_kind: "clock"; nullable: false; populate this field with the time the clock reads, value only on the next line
2:35
